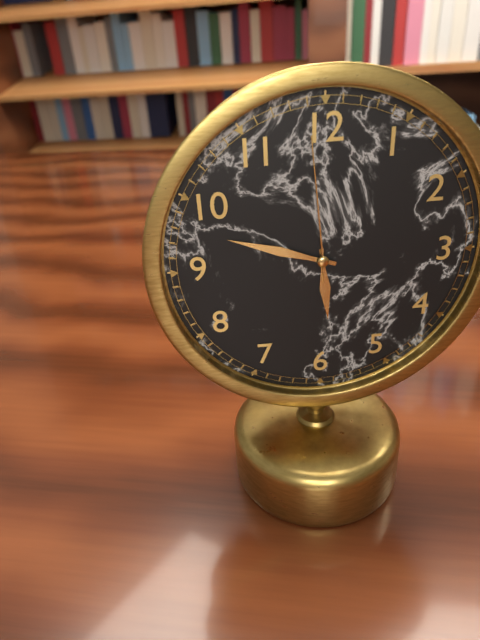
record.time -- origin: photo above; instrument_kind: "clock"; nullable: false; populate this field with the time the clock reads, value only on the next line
5:48:59
